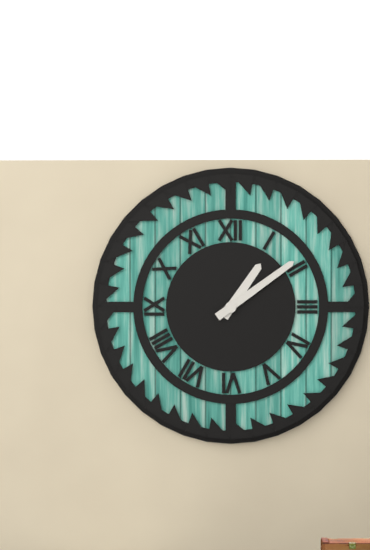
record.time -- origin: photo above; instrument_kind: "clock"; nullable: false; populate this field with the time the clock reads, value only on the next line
1:09
